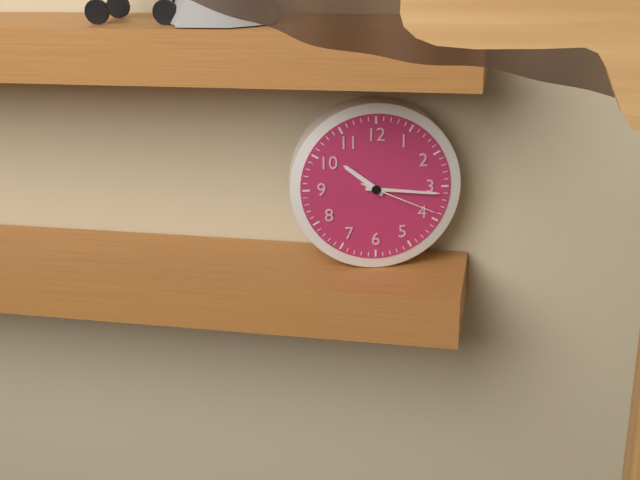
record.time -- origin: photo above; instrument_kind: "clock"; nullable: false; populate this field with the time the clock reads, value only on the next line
10:16:19
